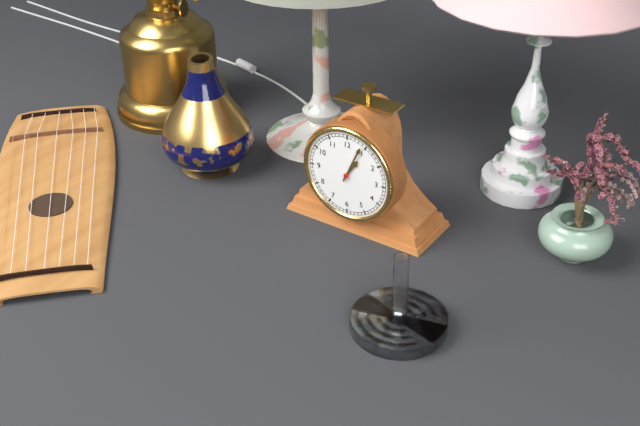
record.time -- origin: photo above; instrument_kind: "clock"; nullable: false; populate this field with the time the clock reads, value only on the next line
1:04
